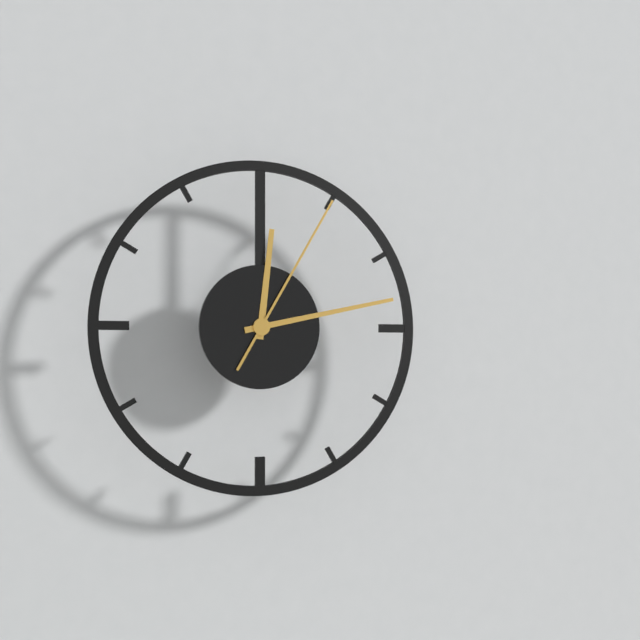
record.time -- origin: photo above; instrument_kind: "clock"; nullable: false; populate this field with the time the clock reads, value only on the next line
12:13:05
